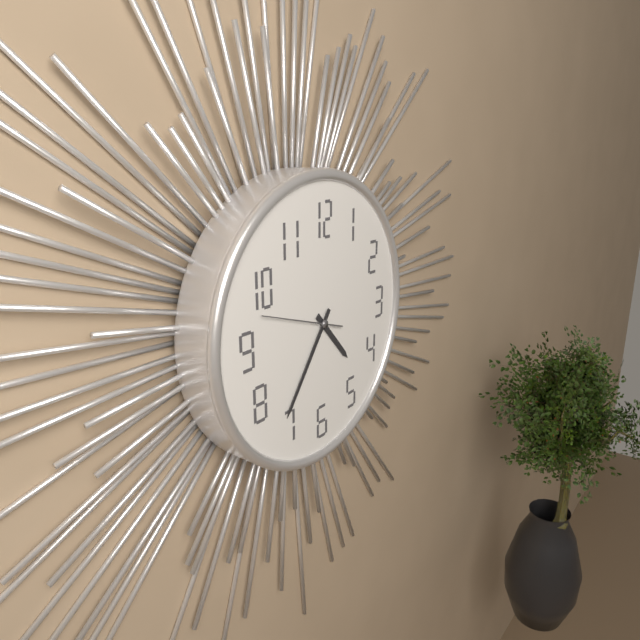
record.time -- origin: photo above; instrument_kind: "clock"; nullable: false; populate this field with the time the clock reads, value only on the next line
4:36:48
